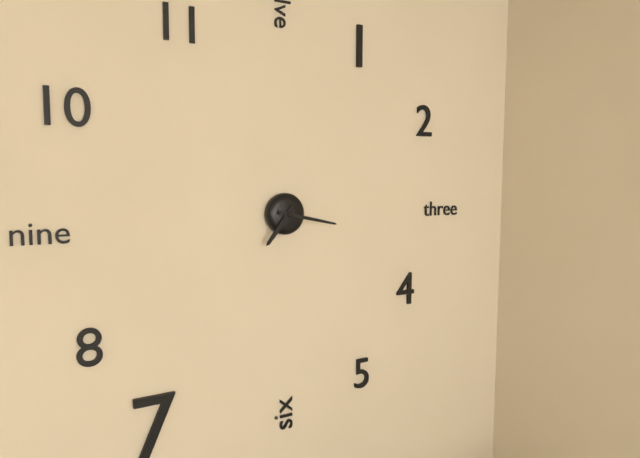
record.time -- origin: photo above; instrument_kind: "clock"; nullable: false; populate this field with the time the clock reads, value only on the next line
7:17
